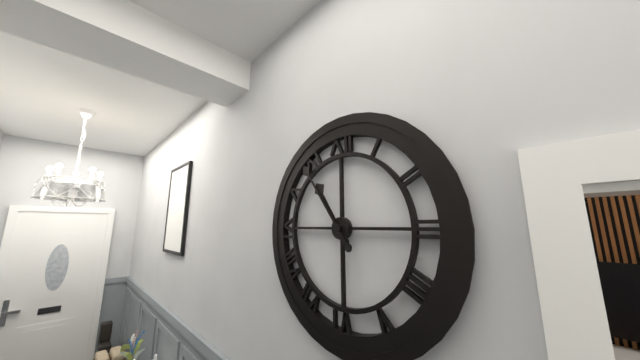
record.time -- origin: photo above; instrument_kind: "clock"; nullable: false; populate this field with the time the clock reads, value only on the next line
10:54
